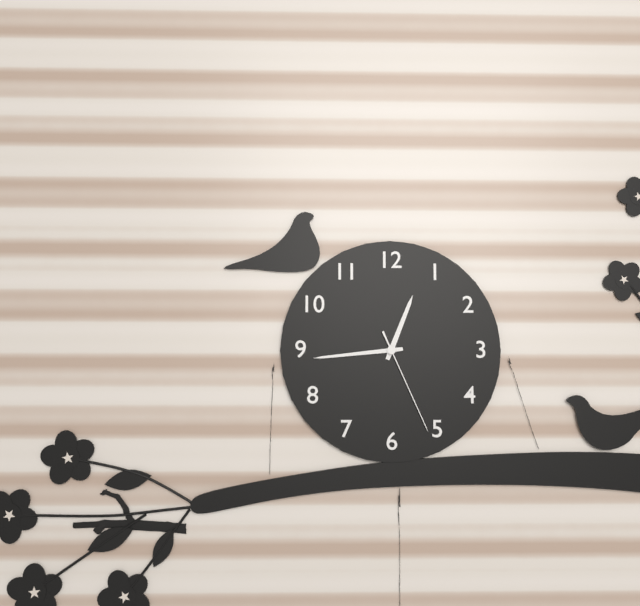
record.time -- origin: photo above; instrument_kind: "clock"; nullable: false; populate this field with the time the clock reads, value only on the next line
12:44:26
